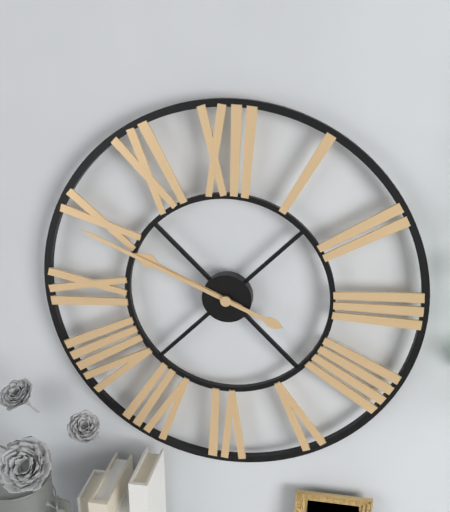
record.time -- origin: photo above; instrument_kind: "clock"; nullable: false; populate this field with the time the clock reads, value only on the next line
9:49
